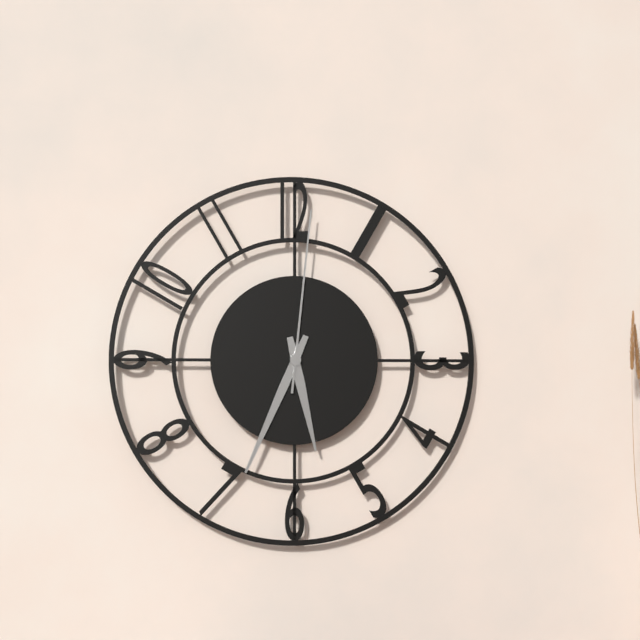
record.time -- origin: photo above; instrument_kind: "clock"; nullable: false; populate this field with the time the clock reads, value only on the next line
5:34:01
